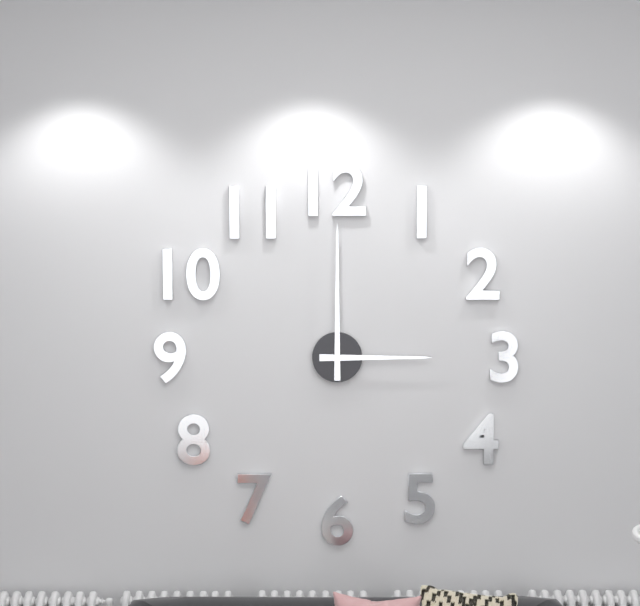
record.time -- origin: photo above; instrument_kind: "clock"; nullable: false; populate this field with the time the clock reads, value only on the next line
3:00
